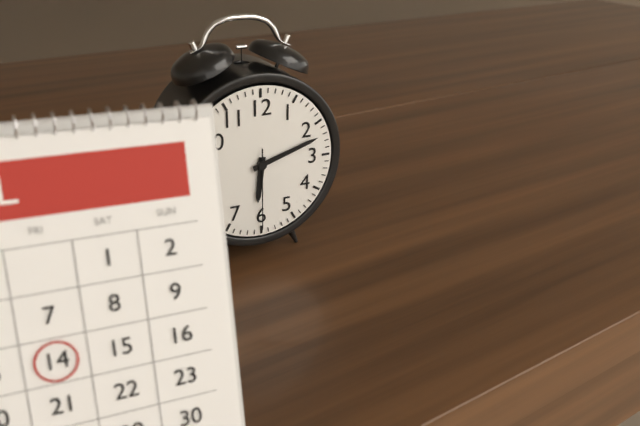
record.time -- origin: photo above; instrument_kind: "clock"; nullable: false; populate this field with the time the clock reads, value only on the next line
6:12:30
